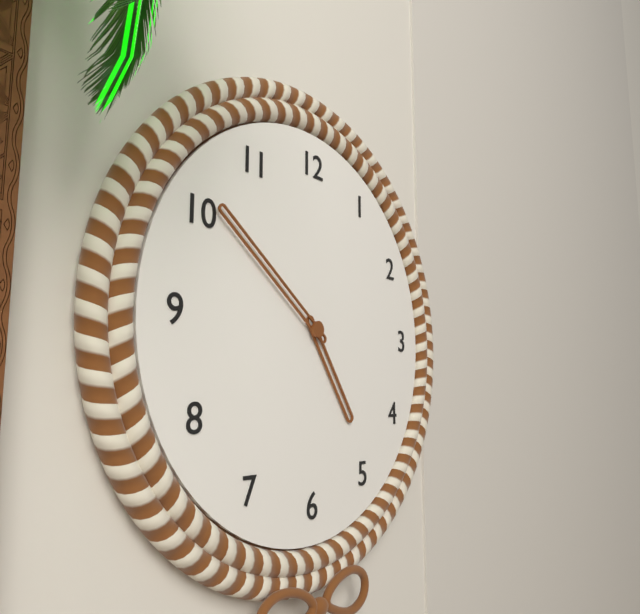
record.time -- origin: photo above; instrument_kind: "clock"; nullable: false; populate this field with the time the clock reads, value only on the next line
4:51
